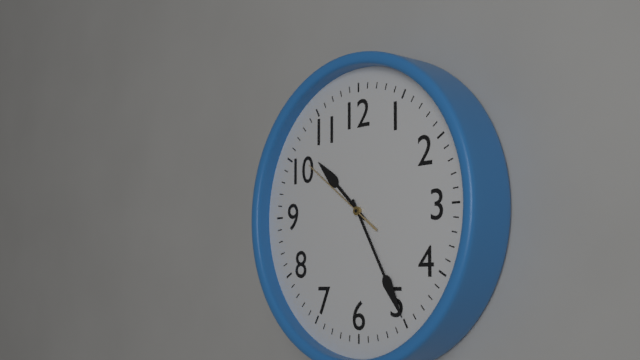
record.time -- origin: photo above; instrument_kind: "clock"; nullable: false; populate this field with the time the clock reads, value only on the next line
10:25:51
